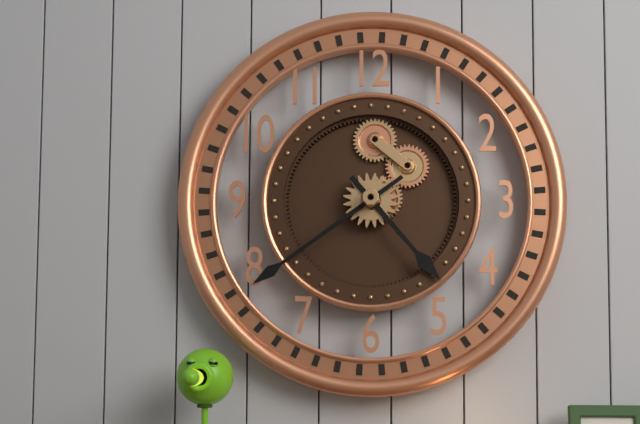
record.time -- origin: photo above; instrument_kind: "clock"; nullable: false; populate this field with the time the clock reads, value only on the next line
4:39
